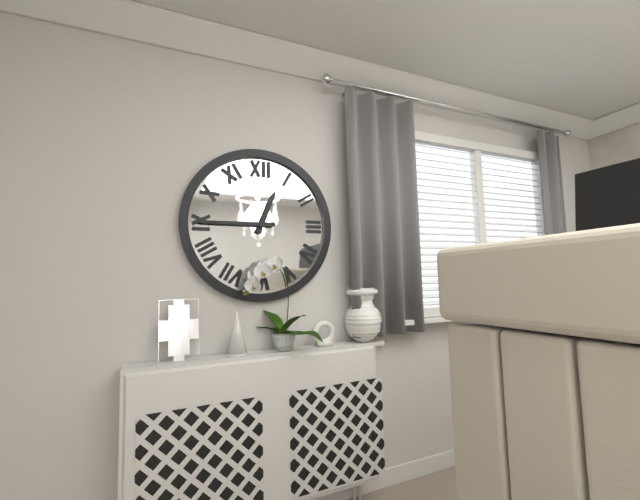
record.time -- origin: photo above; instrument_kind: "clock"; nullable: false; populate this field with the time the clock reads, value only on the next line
12:45
